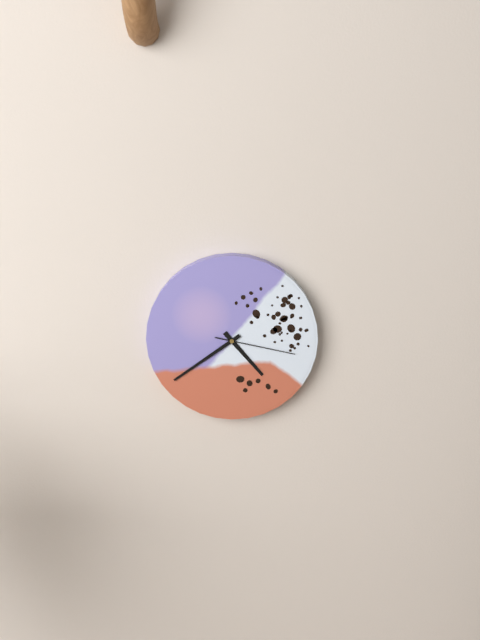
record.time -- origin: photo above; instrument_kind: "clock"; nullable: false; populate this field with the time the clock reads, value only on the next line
4:39:17
